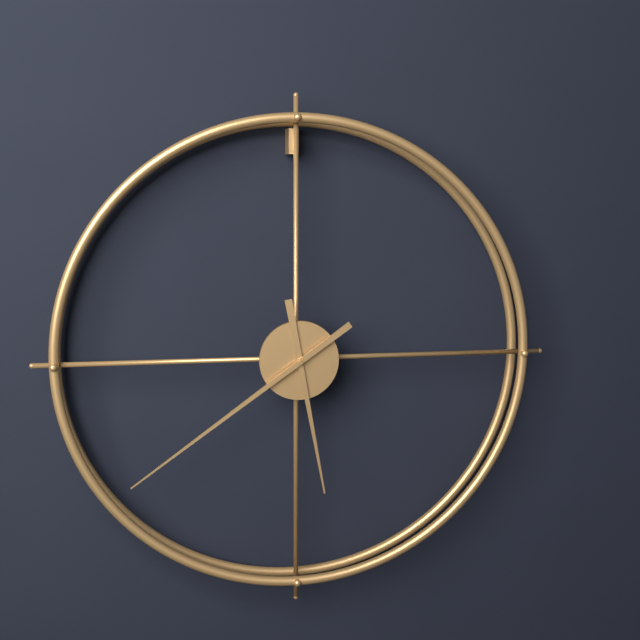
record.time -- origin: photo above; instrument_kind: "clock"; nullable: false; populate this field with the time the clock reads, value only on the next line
5:39
